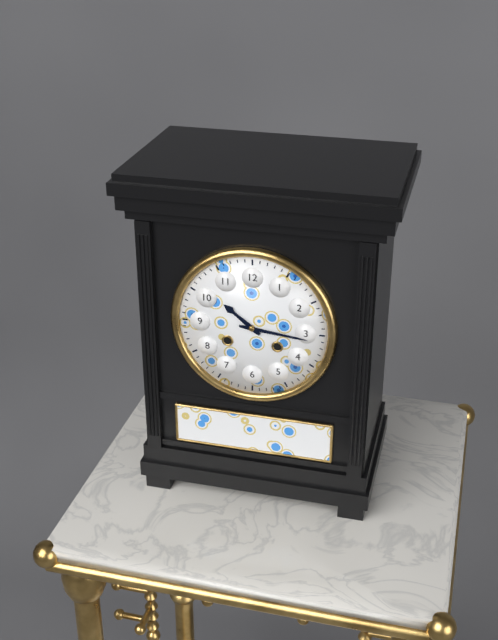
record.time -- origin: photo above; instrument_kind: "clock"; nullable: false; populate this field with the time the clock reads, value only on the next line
10:16
